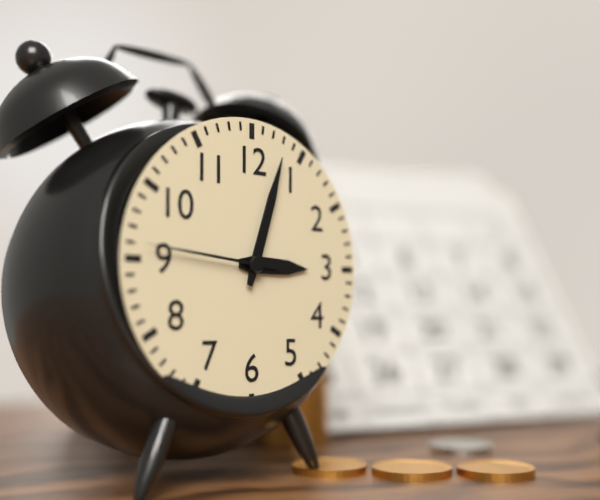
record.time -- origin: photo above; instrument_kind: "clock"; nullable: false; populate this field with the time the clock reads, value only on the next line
3:03:46
